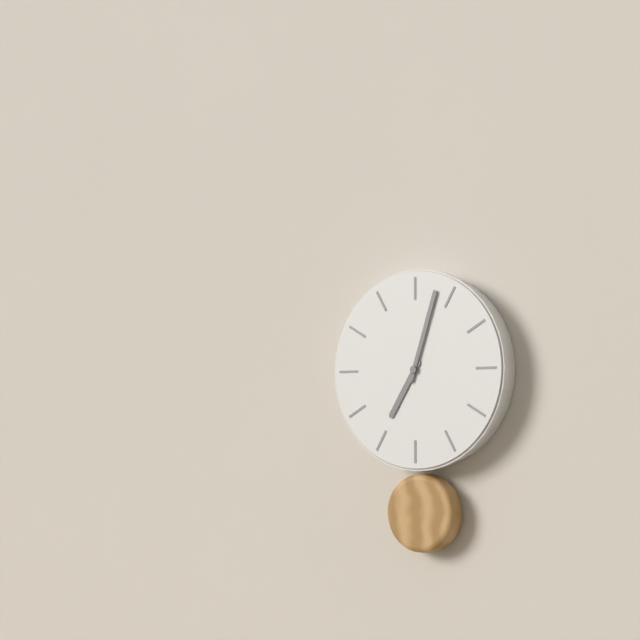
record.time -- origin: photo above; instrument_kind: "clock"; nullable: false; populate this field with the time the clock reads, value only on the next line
7:03
